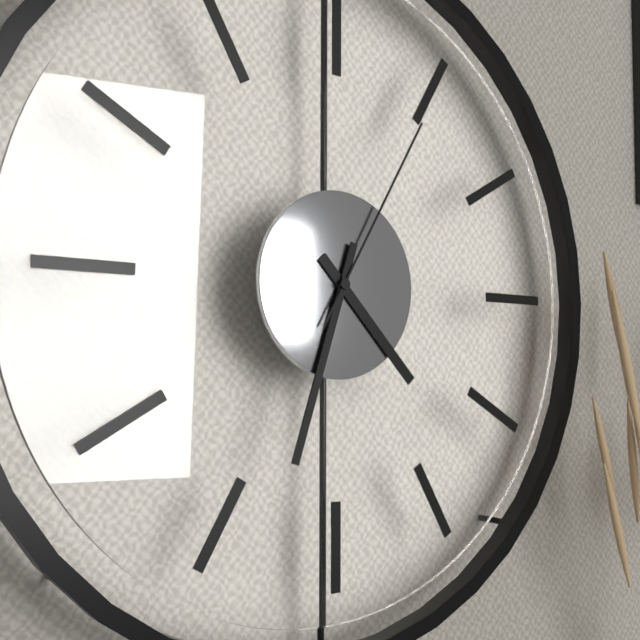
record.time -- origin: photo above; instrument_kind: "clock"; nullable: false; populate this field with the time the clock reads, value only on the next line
4:33:05
